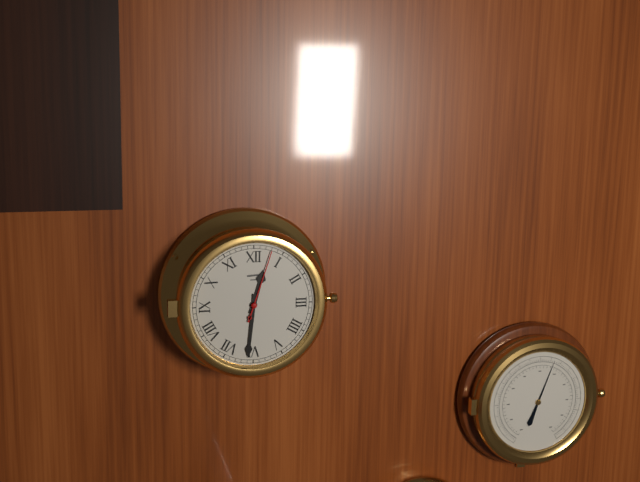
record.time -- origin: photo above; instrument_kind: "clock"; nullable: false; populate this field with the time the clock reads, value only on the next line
12:31:03
